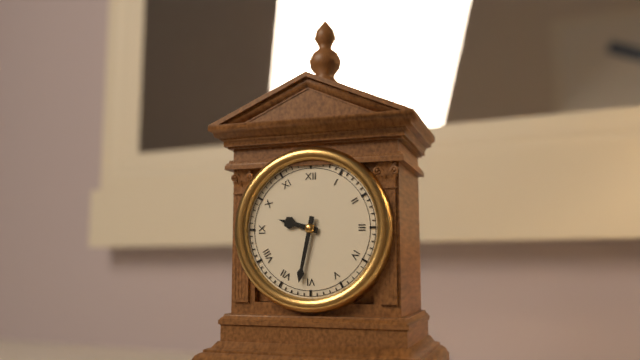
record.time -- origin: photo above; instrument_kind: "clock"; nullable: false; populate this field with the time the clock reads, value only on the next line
9:32
